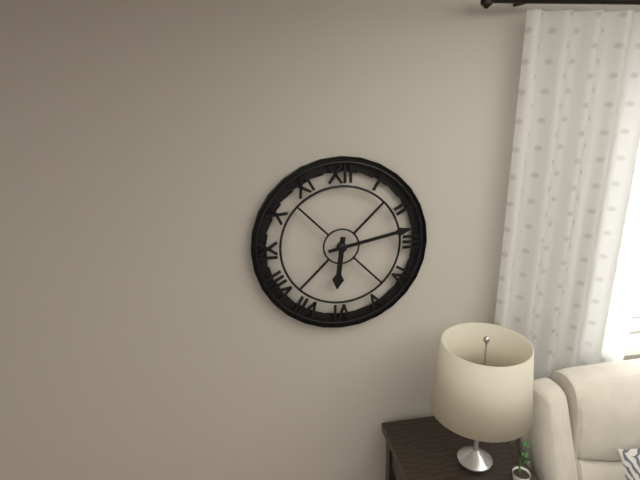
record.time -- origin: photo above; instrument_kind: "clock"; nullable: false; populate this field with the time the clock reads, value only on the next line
6:13
